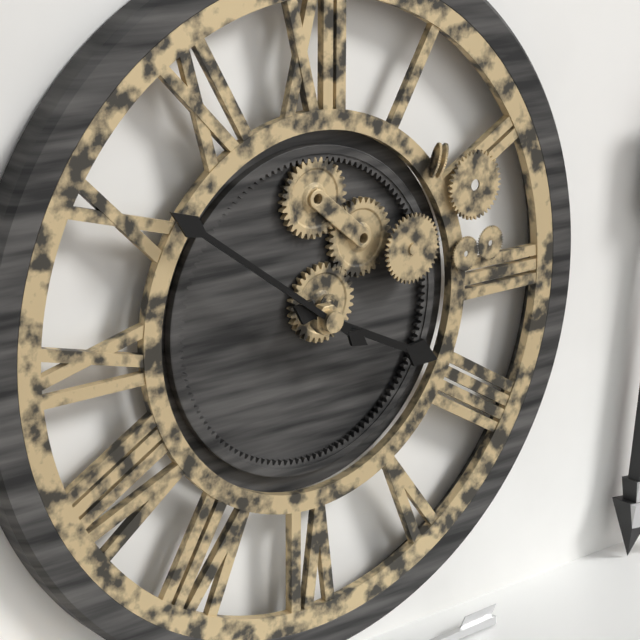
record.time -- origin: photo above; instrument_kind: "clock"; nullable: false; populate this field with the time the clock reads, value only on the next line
3:51
